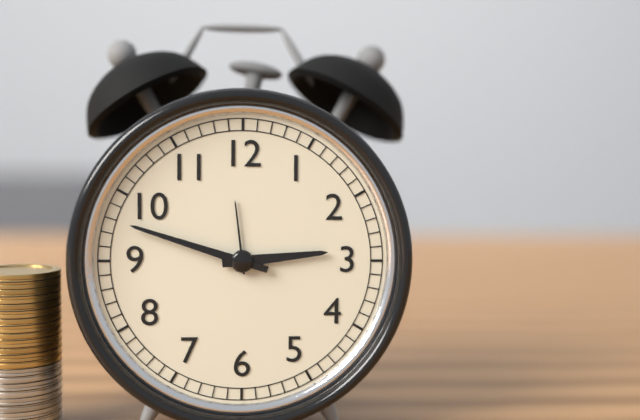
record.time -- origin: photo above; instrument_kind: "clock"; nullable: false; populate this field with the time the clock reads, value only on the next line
2:48
